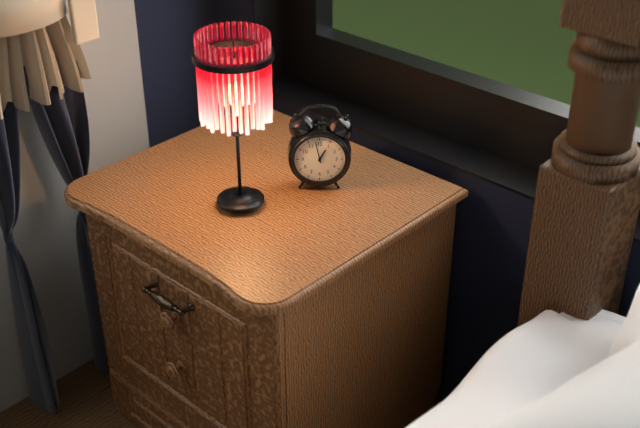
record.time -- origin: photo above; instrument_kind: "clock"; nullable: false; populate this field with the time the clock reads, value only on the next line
12:58
